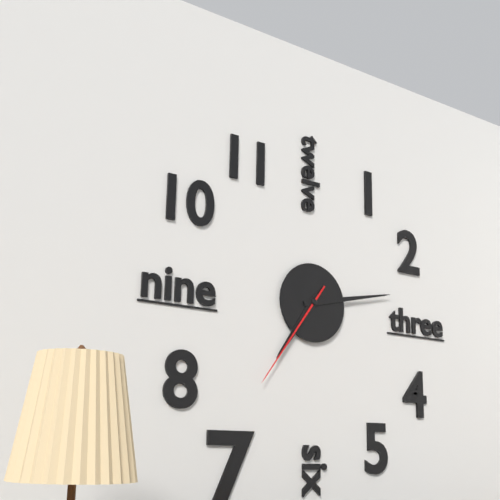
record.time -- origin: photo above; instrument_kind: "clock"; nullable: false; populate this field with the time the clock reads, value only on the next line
7:13:36
